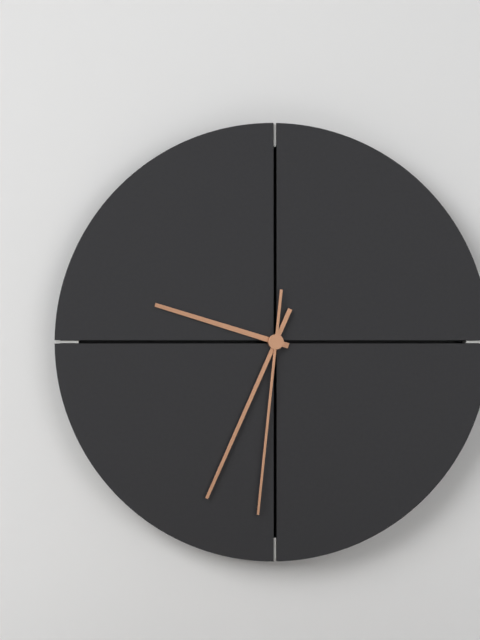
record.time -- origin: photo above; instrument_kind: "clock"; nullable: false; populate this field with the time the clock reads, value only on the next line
9:34:31
